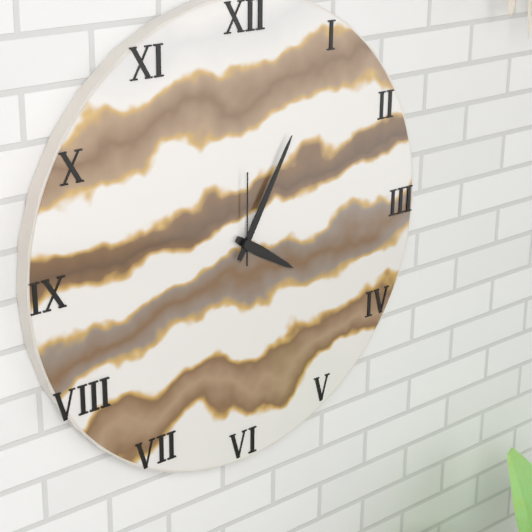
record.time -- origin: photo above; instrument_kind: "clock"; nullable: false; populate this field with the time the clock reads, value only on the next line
4:05:00
